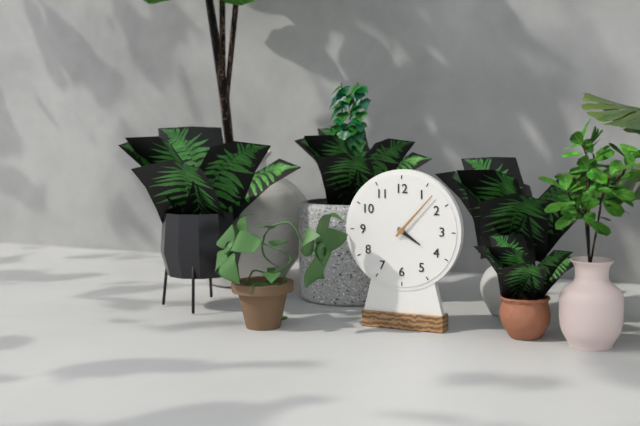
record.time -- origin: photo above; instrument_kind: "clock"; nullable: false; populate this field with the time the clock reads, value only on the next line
4:07
